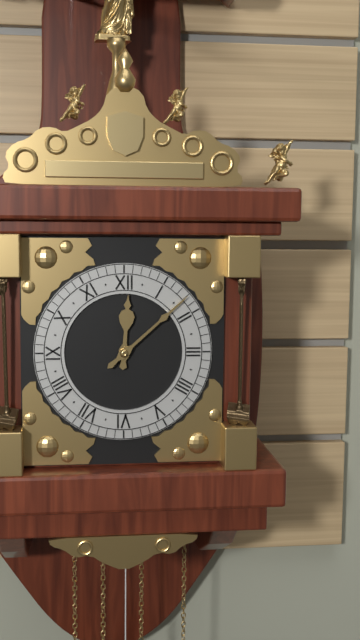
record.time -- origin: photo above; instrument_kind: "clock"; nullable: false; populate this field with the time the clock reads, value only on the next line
12:08
